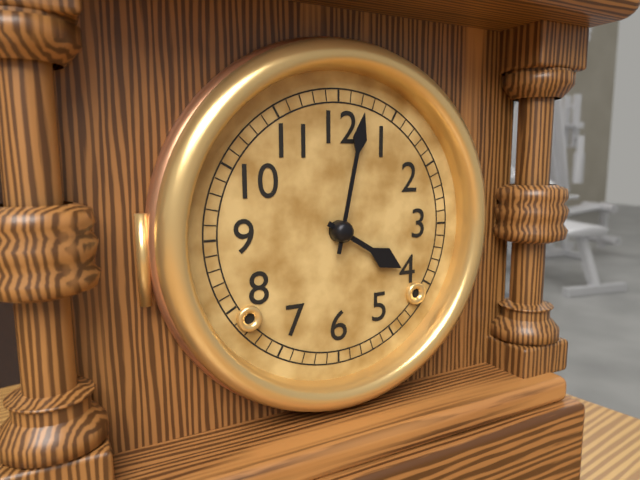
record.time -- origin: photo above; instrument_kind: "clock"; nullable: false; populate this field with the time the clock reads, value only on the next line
4:02
